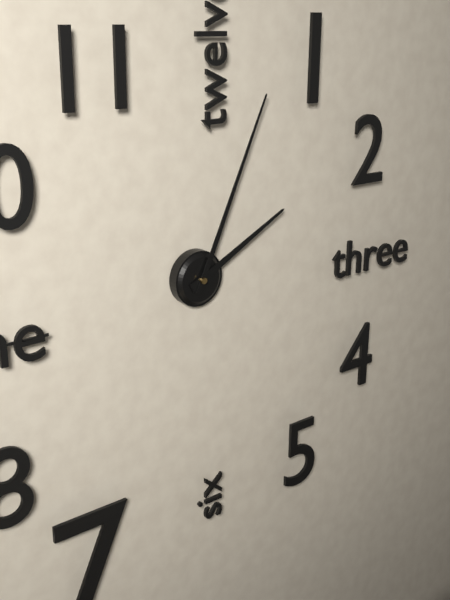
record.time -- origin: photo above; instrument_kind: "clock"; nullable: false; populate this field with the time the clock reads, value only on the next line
2:04
